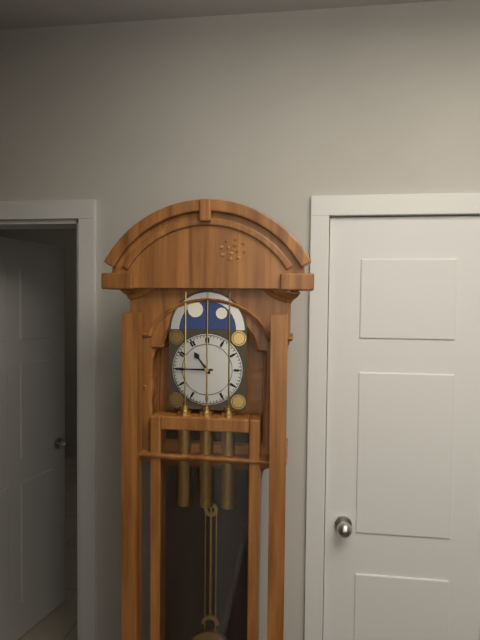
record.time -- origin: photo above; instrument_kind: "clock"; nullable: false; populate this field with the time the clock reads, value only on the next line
10:45
